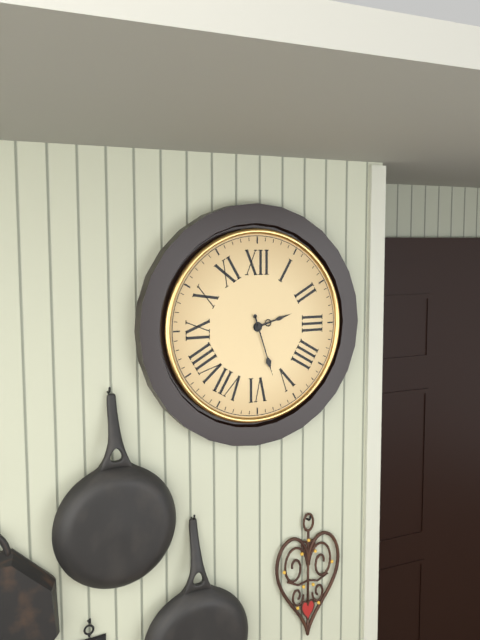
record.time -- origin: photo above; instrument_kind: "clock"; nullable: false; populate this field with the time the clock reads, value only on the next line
2:27
